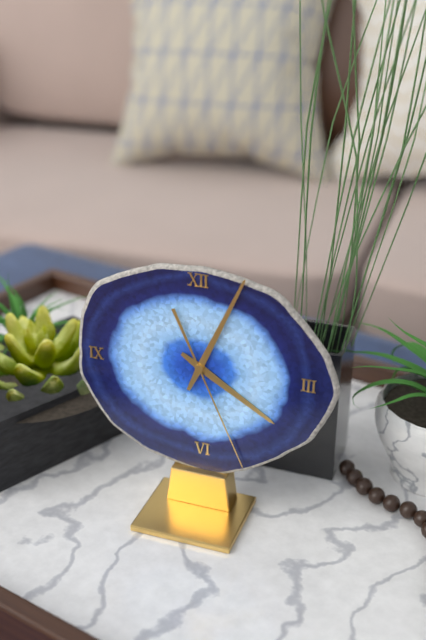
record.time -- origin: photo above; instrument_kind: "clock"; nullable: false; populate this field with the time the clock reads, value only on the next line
4:04:26
